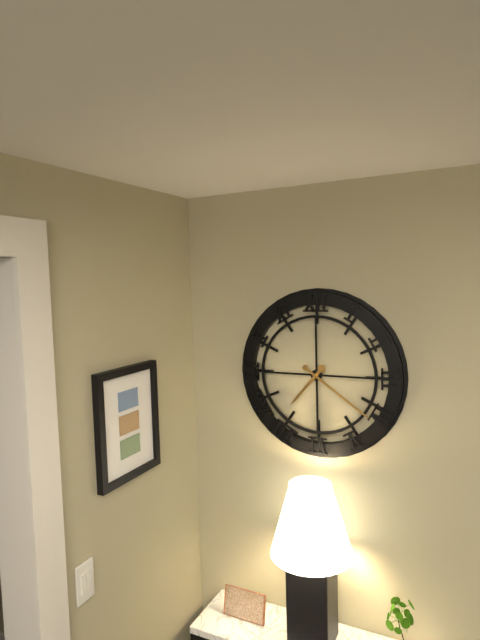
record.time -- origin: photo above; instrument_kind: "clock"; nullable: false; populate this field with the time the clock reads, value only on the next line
7:21
